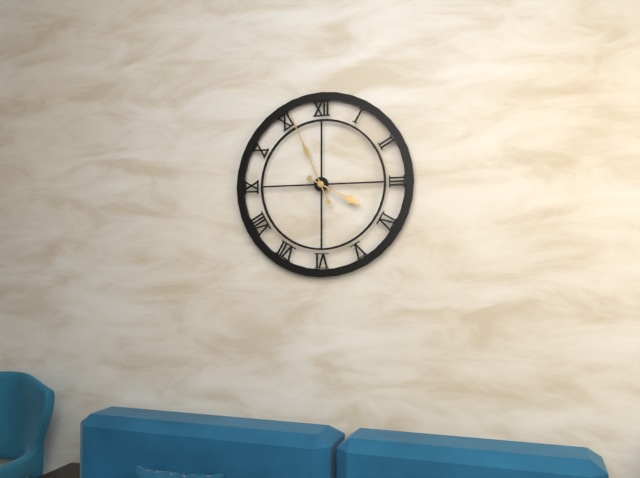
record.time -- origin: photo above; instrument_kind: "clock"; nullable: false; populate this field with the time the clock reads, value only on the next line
3:56
